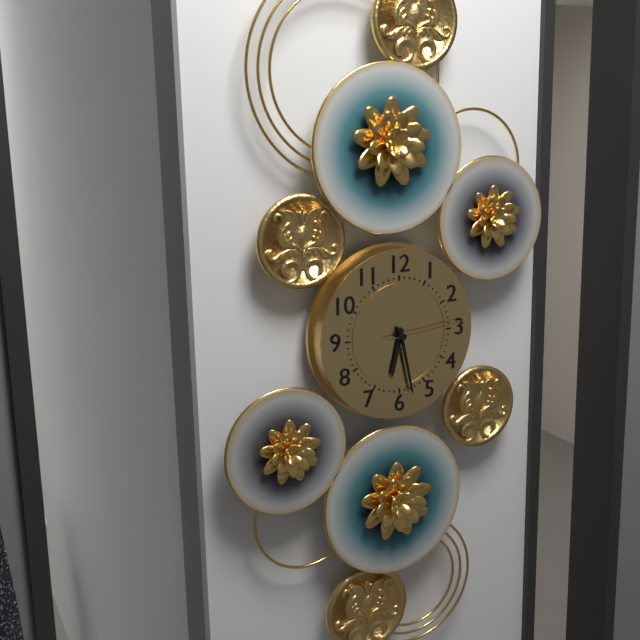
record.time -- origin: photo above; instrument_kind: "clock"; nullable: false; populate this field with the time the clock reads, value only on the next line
6:28:14
